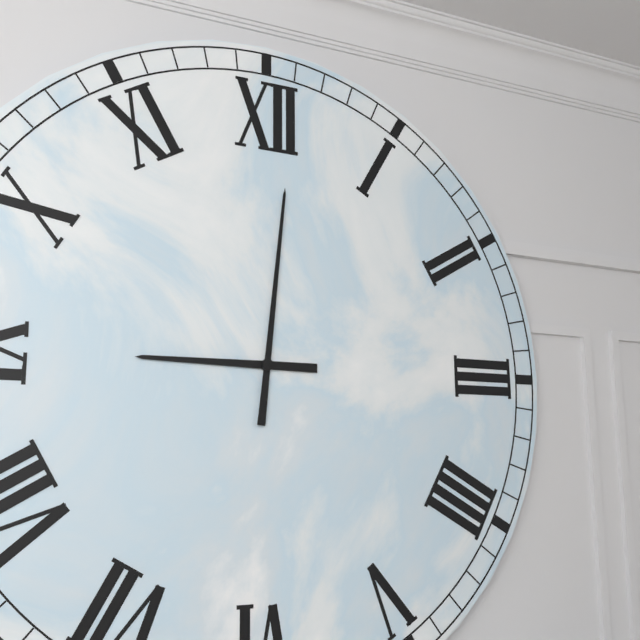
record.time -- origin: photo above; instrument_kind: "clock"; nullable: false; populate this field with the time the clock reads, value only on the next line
9:01
